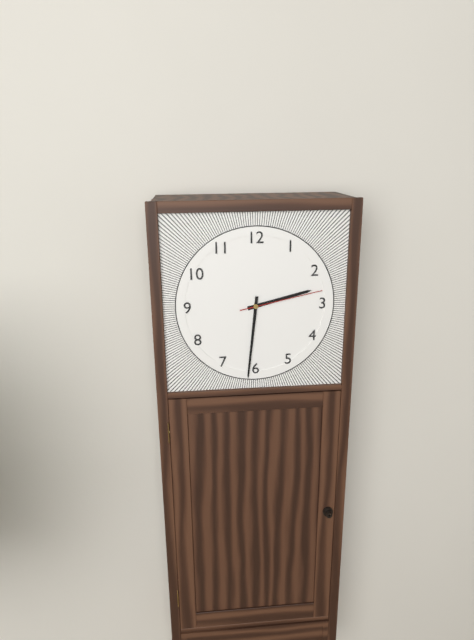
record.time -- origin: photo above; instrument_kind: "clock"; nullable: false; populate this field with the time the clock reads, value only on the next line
2:31:13
